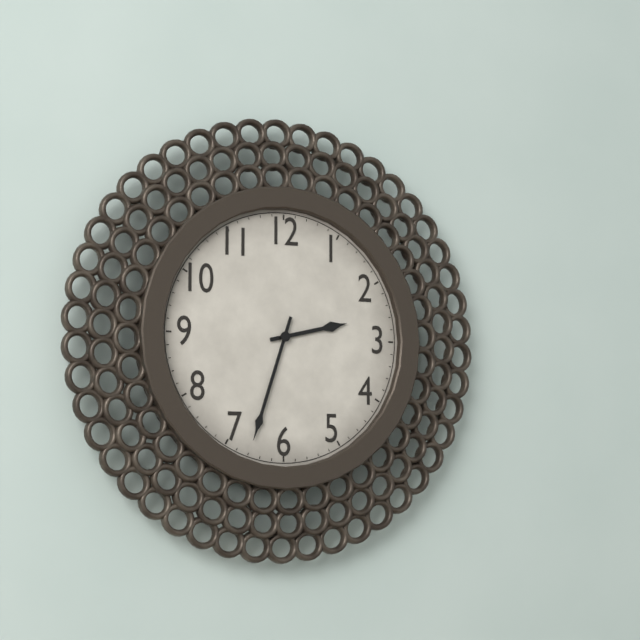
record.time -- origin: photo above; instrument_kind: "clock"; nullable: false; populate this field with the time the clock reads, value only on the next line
2:33
